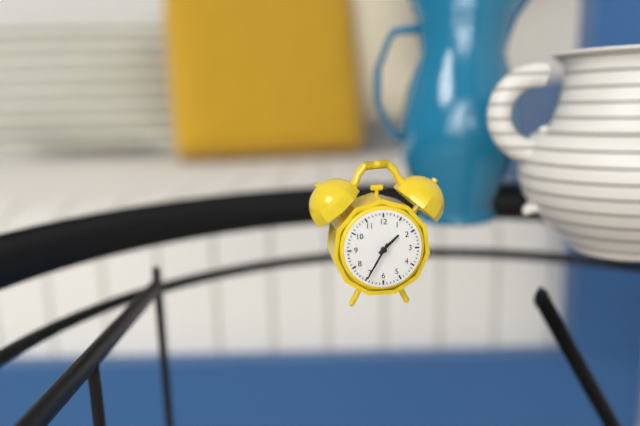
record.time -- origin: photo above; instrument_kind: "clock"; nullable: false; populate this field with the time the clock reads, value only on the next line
1:35
